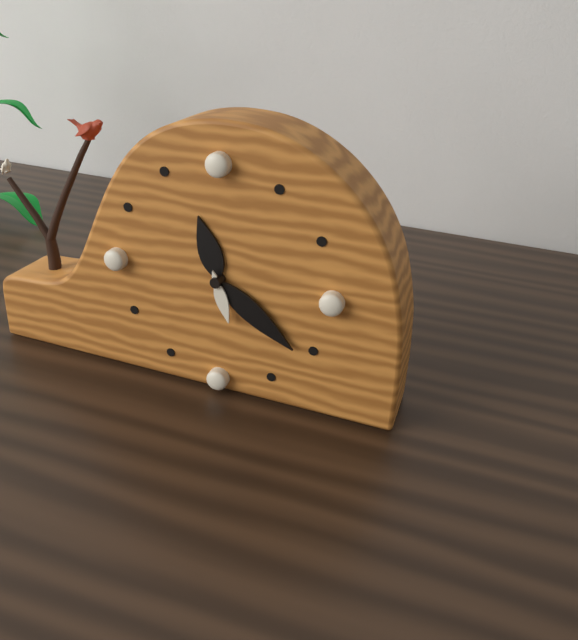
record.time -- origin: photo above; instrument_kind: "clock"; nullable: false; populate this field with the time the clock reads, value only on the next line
11:21:27
